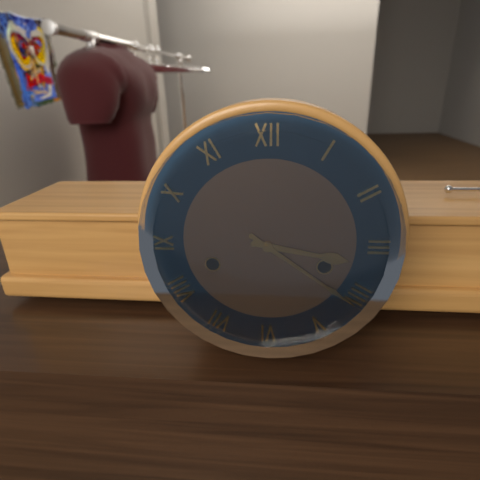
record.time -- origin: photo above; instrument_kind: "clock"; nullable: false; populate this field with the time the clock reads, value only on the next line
3:21
